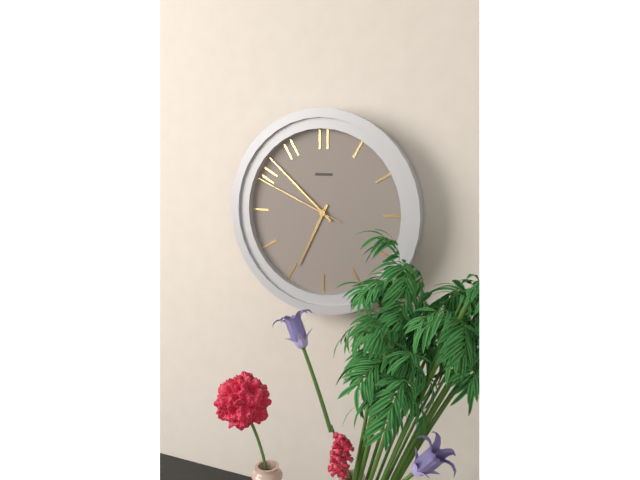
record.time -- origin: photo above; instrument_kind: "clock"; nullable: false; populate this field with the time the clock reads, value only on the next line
6:52:49
